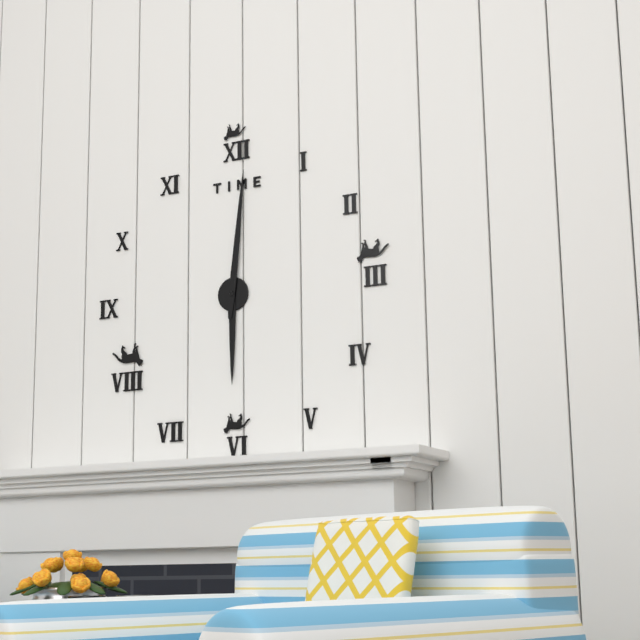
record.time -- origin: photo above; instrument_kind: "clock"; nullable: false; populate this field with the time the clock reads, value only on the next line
6:01
